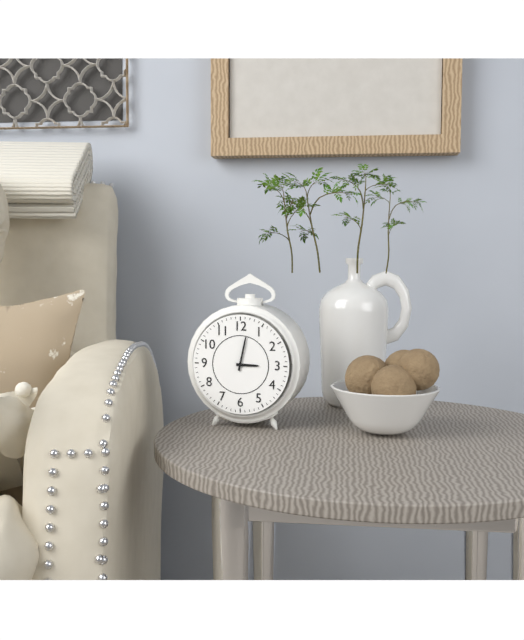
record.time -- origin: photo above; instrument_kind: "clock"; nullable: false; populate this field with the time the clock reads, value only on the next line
3:02
